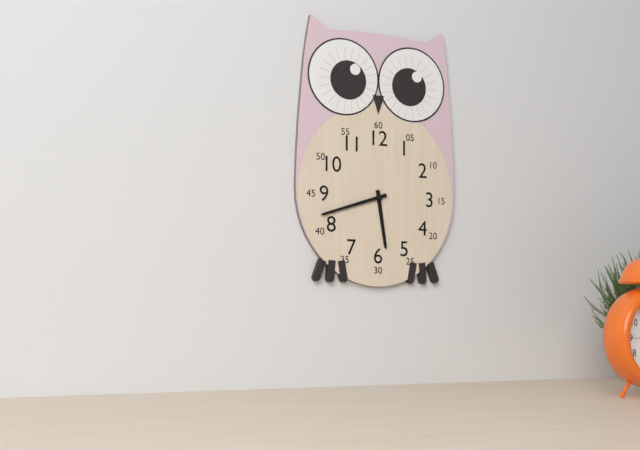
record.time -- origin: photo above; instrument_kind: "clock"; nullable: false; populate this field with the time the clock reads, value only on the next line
5:42
